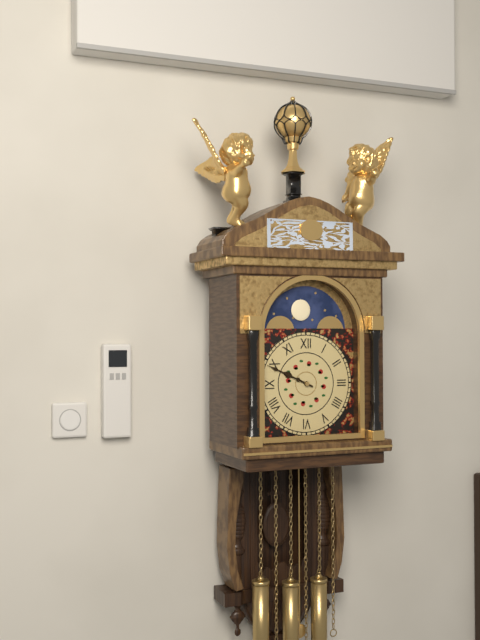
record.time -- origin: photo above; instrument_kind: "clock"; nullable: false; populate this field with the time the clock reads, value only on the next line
9:49
